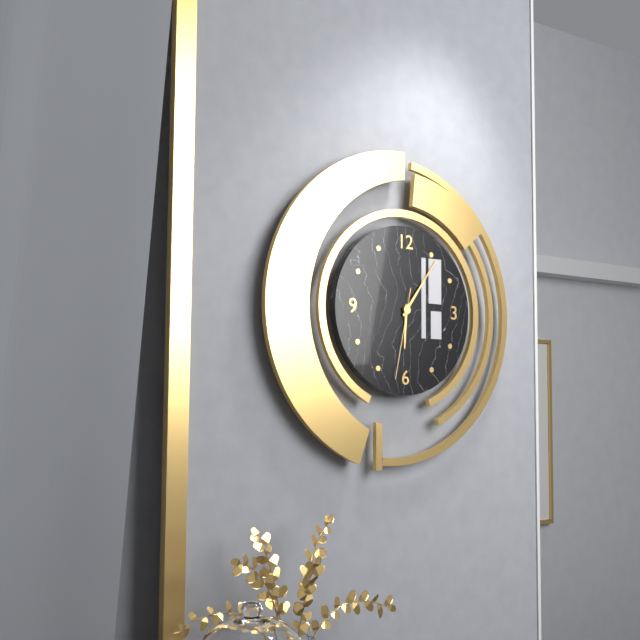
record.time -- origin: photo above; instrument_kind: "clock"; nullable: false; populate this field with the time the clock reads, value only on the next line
6:06:32
